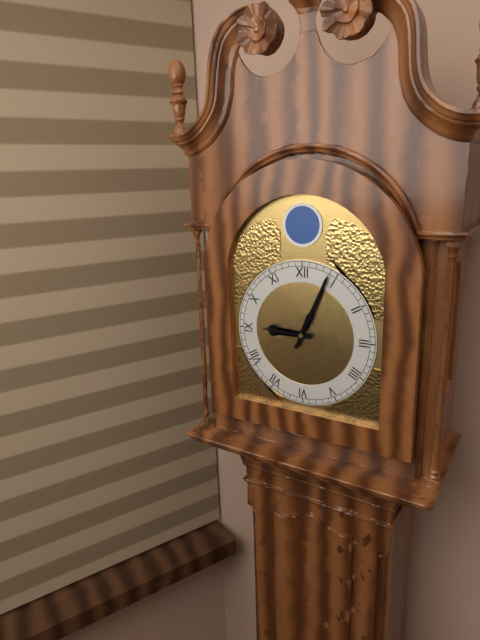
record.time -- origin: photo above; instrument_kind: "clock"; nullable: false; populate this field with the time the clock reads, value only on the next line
9:04
